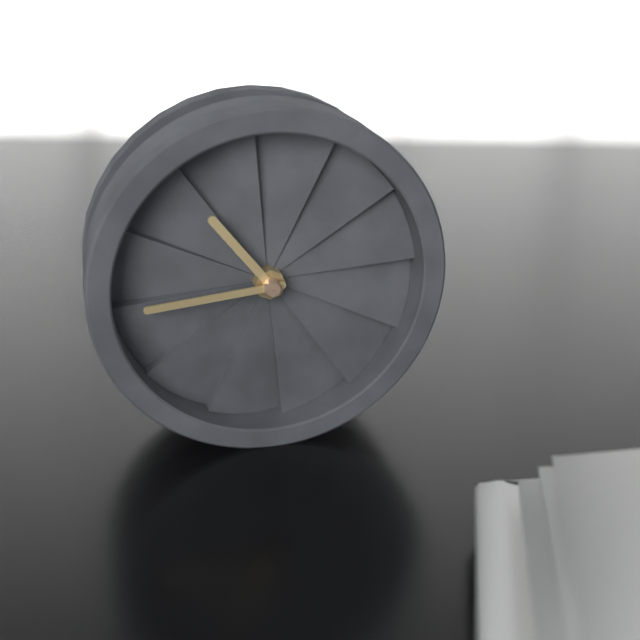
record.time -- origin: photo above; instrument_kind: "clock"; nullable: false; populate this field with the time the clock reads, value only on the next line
10:44
